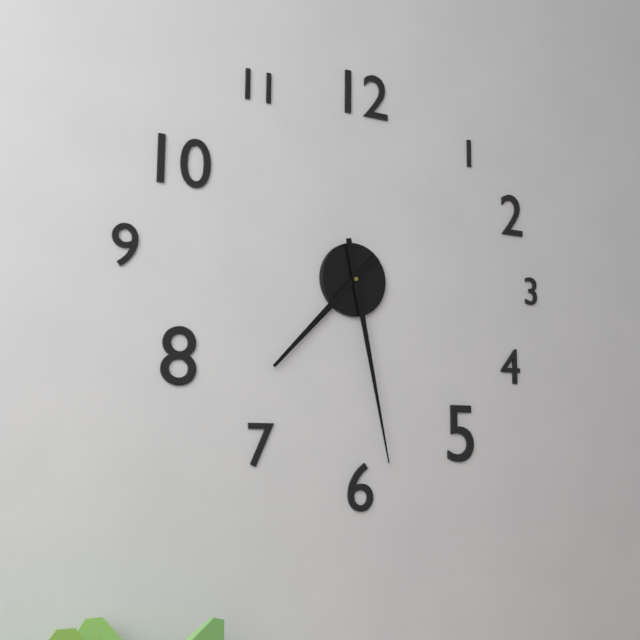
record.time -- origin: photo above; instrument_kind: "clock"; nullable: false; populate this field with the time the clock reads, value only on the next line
7:28
